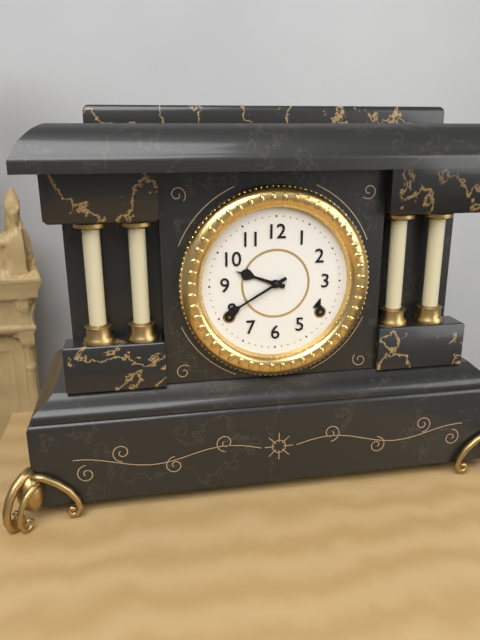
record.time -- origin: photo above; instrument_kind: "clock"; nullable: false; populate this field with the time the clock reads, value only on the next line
9:40
